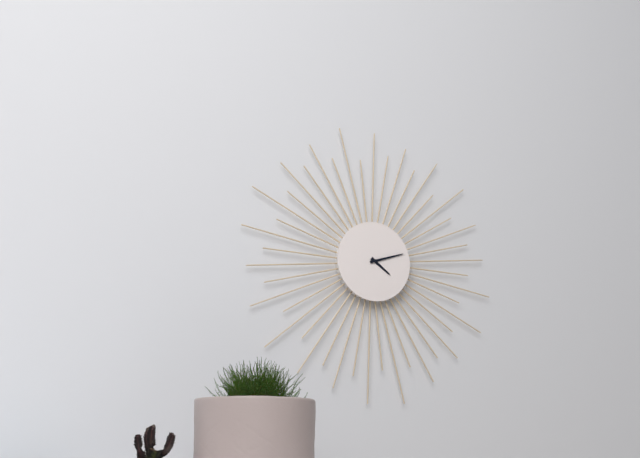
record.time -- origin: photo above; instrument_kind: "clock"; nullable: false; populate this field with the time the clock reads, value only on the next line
4:12
